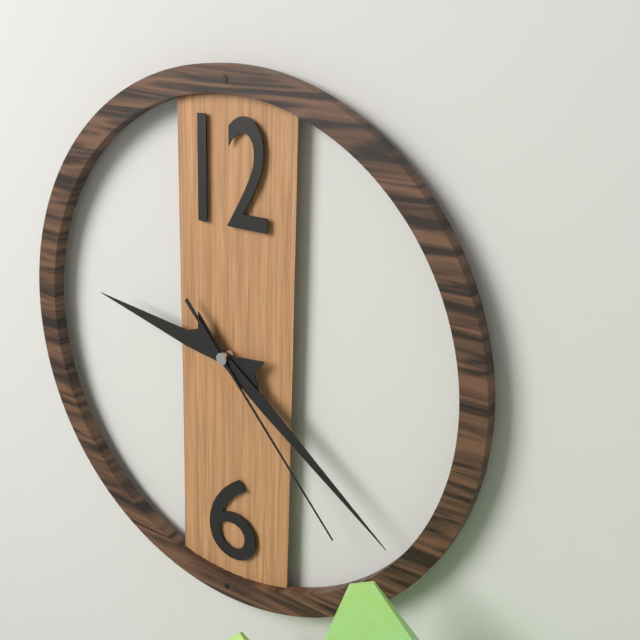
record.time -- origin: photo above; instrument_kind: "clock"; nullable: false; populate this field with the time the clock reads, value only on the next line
9:21:23
